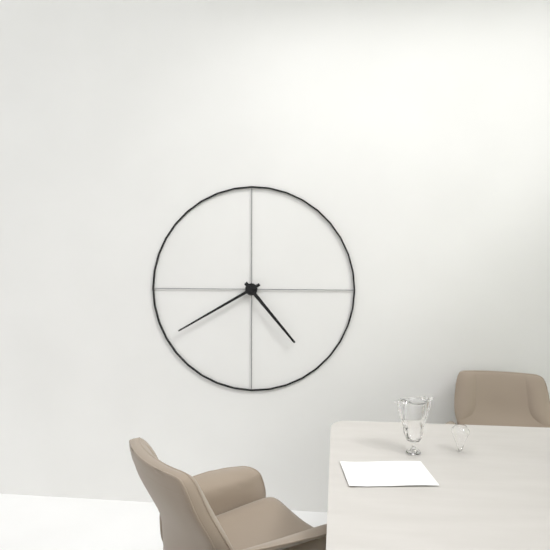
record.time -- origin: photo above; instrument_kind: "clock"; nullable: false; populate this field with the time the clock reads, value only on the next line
4:40
